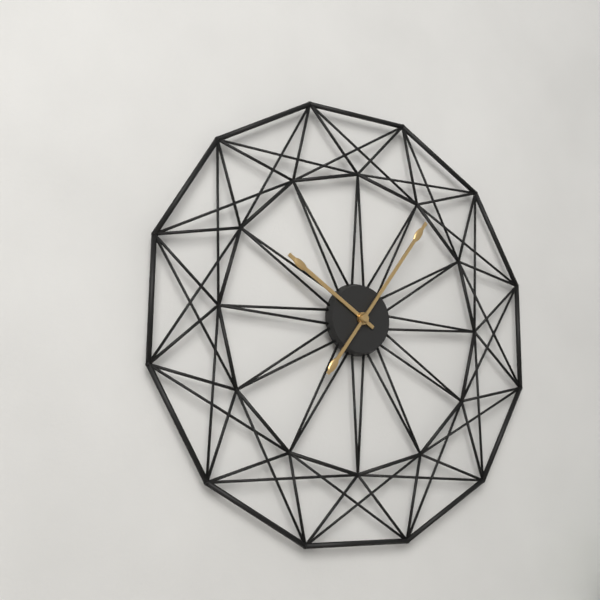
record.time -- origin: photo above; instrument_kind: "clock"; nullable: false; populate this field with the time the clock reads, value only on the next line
10:06
